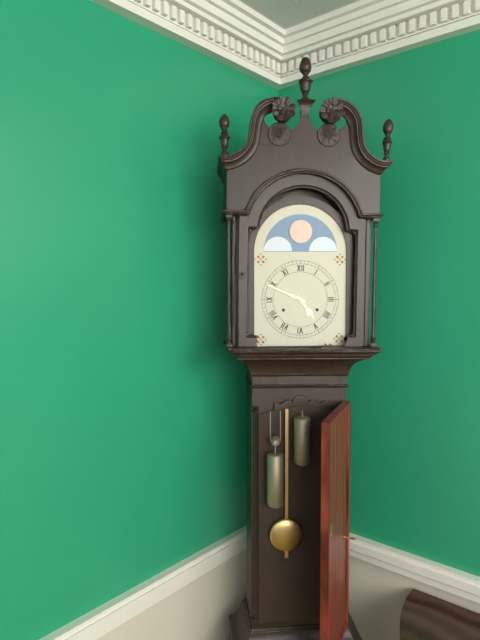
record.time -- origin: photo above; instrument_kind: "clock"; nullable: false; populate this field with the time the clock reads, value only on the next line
4:49
